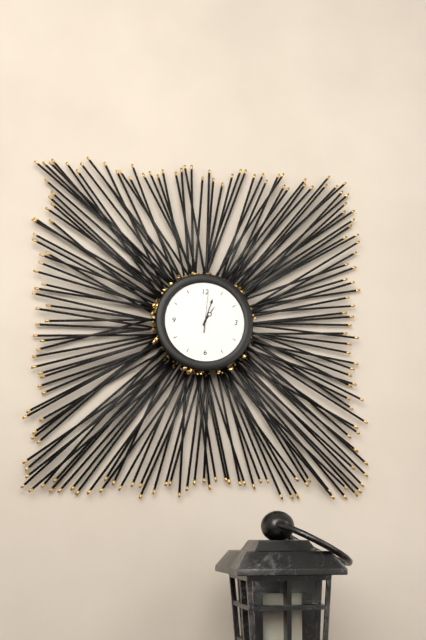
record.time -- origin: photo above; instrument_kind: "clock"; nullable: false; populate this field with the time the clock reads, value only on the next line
1:03
